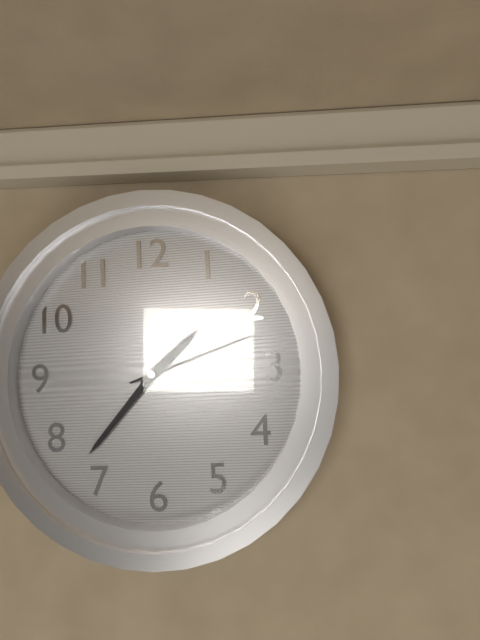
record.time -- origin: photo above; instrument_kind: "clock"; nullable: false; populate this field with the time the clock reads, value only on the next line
1:37:12
